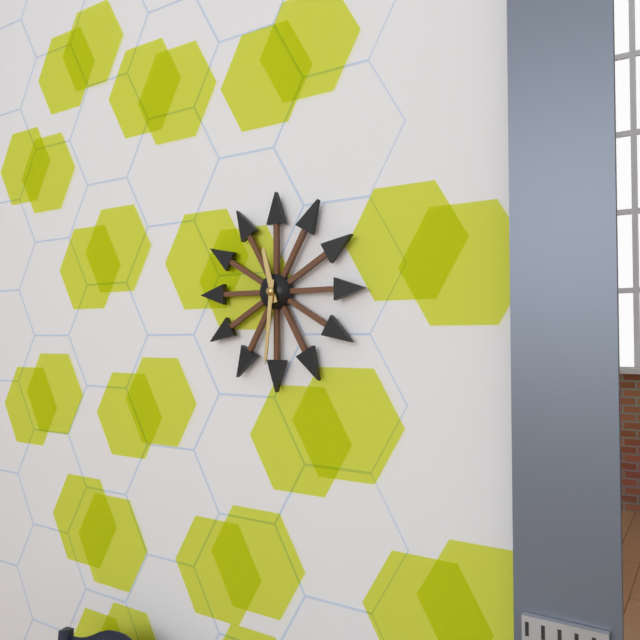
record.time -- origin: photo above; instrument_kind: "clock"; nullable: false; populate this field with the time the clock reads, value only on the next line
11:31
